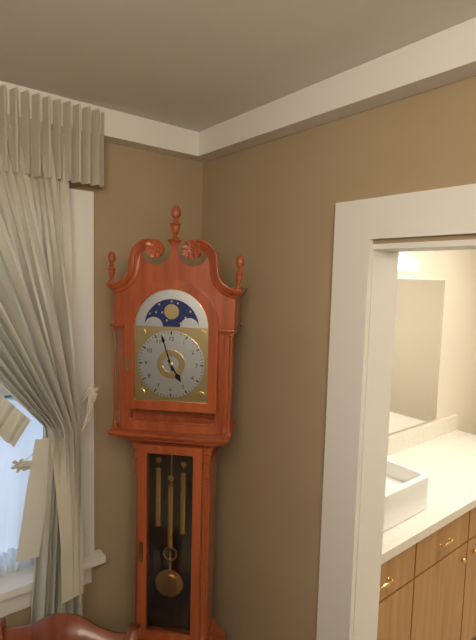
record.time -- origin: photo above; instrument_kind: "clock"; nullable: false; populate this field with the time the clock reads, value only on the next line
4:57
